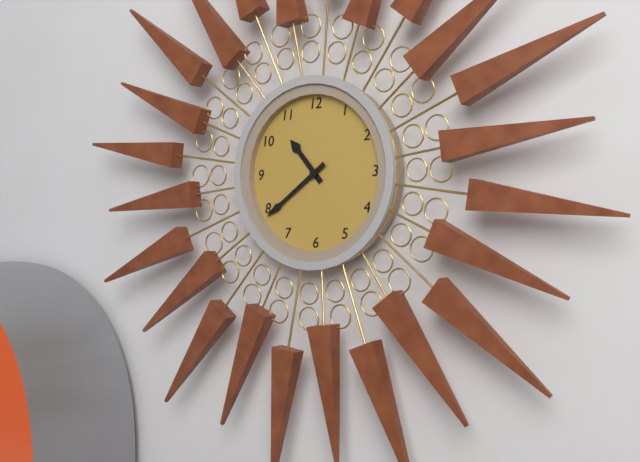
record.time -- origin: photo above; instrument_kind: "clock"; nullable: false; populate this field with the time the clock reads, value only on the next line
10:39
